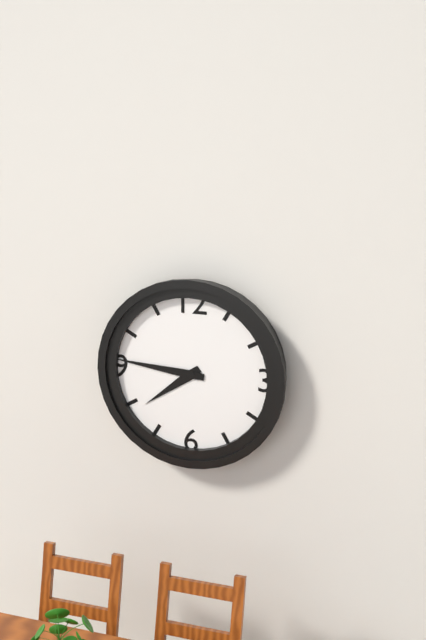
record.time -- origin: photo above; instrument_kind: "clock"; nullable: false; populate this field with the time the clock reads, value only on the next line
7:46
